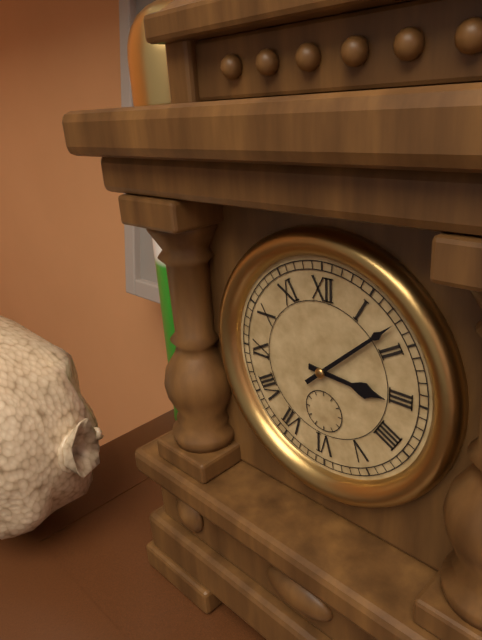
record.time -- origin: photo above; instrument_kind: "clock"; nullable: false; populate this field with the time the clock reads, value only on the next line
3:08
